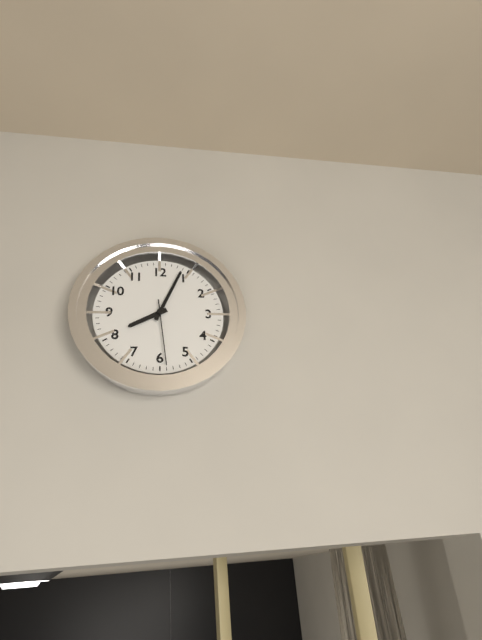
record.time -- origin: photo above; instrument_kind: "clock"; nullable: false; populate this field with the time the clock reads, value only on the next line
8:04:29
